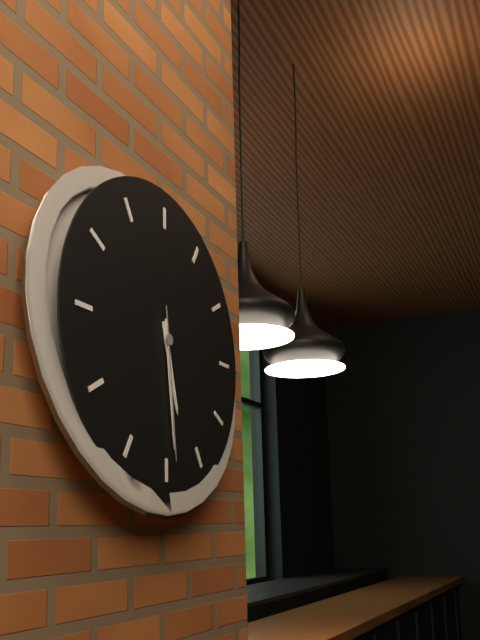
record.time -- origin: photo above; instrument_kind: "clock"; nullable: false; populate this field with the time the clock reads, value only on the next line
5:29:29
